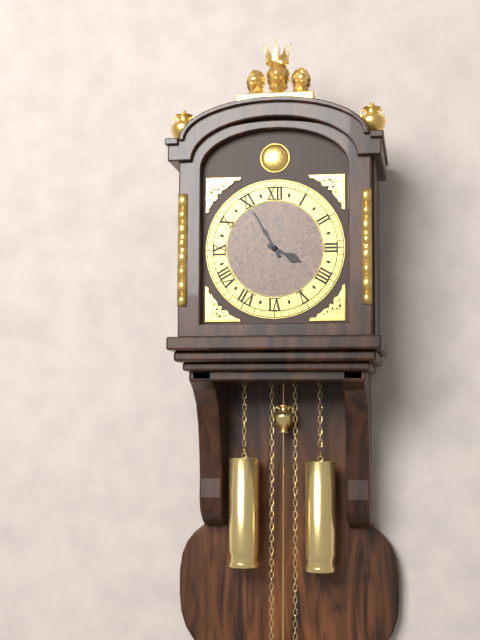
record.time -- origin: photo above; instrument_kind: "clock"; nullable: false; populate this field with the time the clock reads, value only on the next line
3:55
